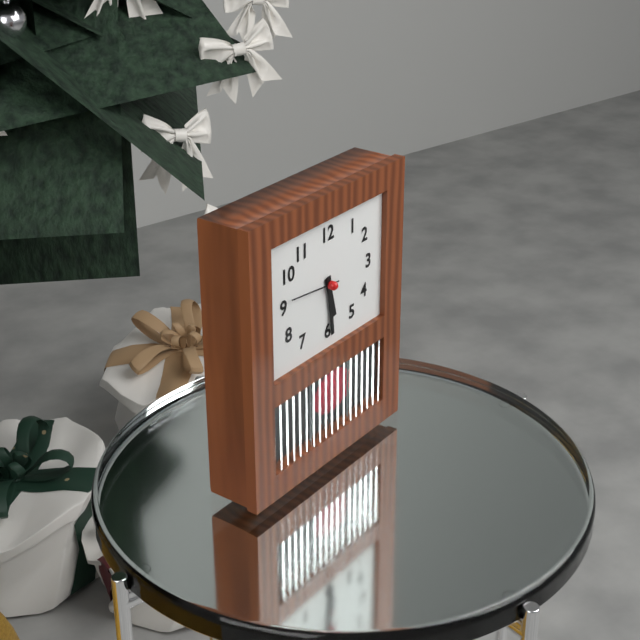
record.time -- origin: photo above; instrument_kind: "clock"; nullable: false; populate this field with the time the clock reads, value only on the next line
5:29:46
